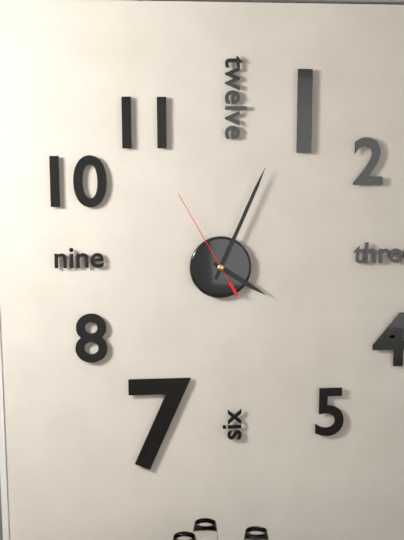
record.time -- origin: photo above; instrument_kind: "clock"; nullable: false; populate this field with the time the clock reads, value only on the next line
4:04:55
